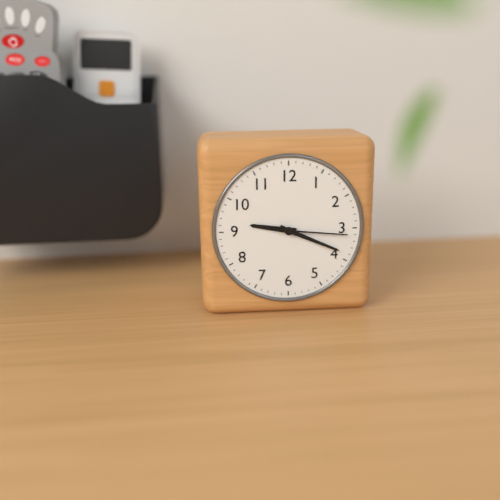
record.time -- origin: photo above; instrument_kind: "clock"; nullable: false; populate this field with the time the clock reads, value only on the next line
9:19:16
